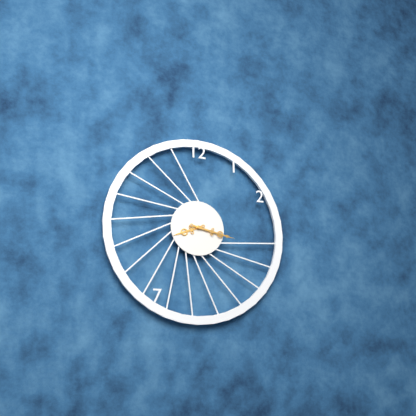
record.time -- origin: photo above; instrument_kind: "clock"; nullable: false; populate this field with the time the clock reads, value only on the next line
8:17
